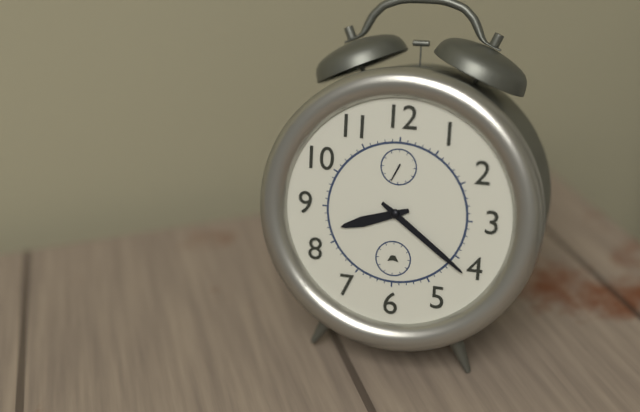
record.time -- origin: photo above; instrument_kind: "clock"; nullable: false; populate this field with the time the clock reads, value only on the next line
8:21
